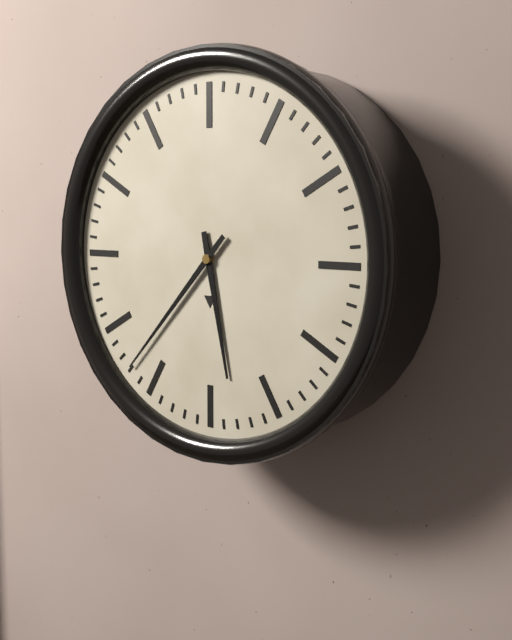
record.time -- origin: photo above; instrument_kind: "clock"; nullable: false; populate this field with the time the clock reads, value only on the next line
5:37
